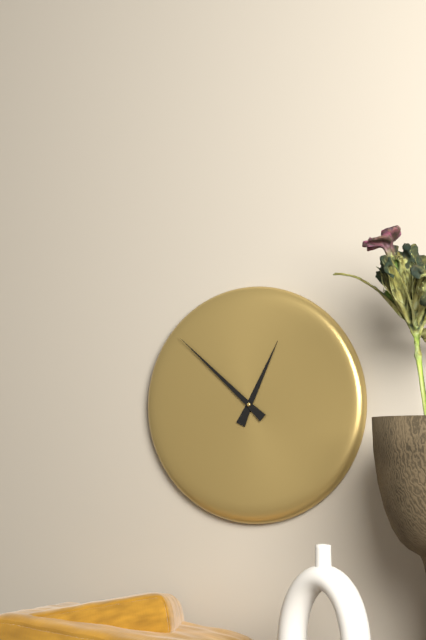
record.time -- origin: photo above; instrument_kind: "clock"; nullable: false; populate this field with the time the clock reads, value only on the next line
12:52
